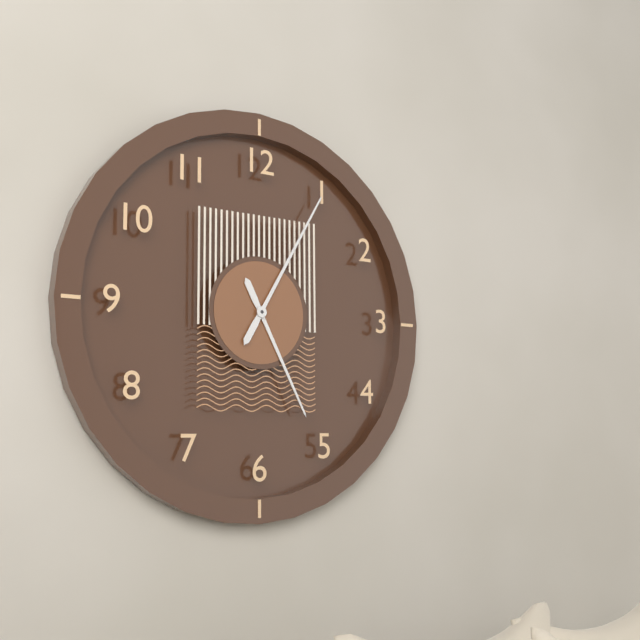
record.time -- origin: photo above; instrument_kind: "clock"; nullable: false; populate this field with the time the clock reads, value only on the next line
5:05
